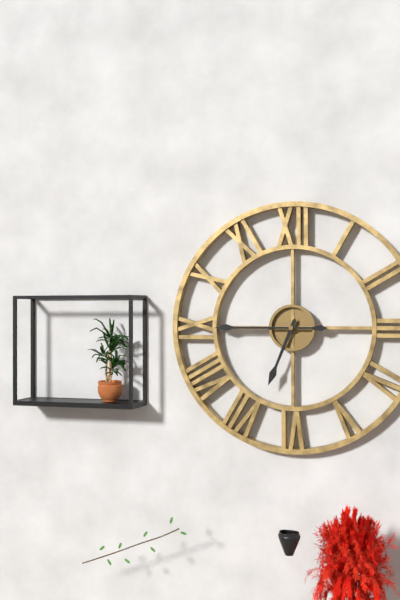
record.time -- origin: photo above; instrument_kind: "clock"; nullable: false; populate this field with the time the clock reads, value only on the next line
6:45
